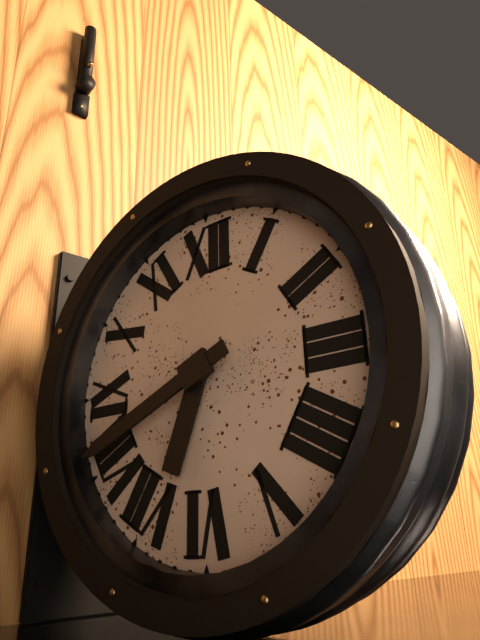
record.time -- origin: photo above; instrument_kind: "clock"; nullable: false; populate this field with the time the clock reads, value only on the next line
6:41
